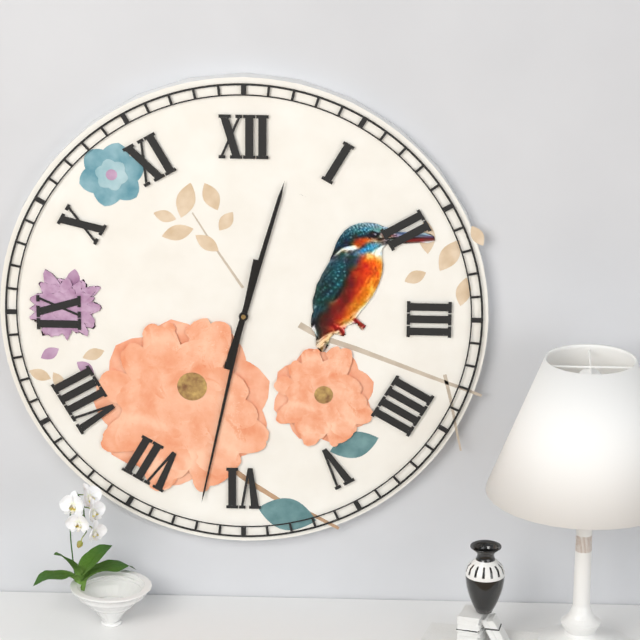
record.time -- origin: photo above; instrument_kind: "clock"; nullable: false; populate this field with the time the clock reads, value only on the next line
12:32
